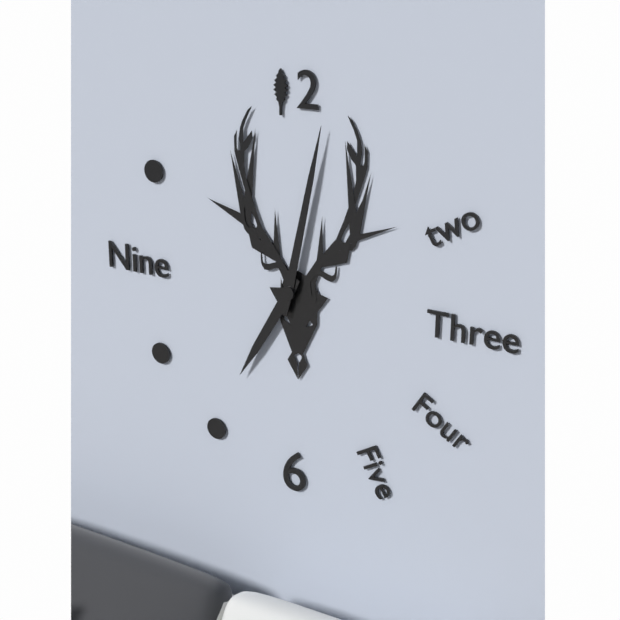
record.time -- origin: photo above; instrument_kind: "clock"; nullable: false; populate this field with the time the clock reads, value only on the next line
7:02
